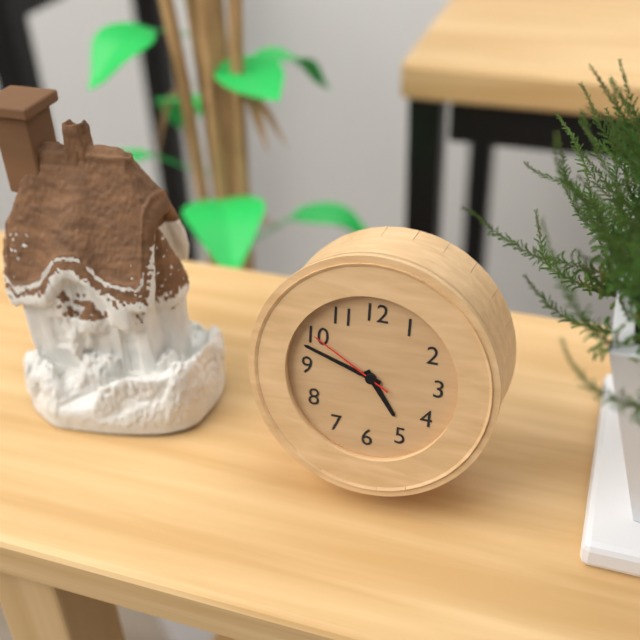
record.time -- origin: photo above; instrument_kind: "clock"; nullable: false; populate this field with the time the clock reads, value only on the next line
4:48:50
